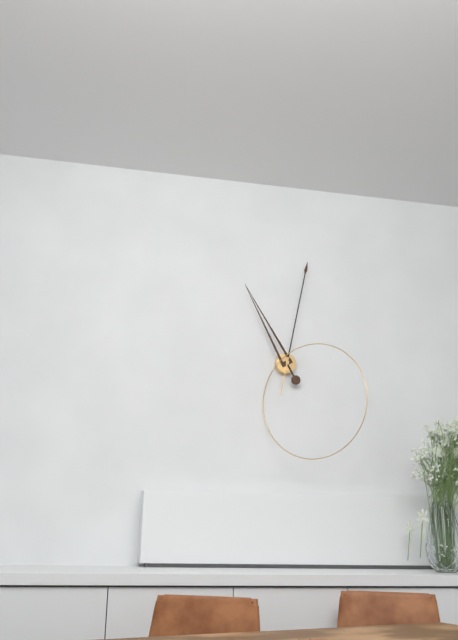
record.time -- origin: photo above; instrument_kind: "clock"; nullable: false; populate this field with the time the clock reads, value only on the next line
11:02
